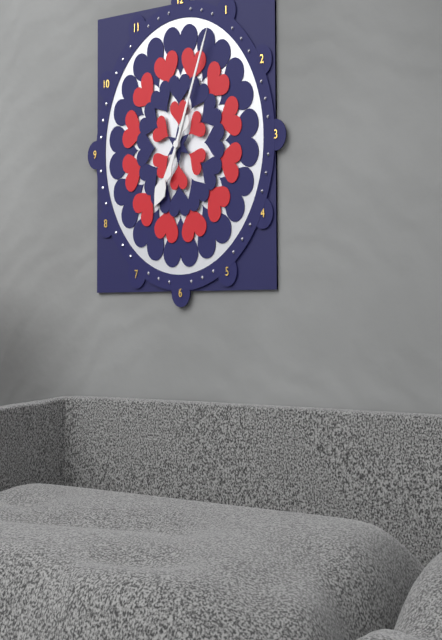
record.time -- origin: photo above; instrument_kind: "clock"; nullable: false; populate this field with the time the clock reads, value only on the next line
7:04
